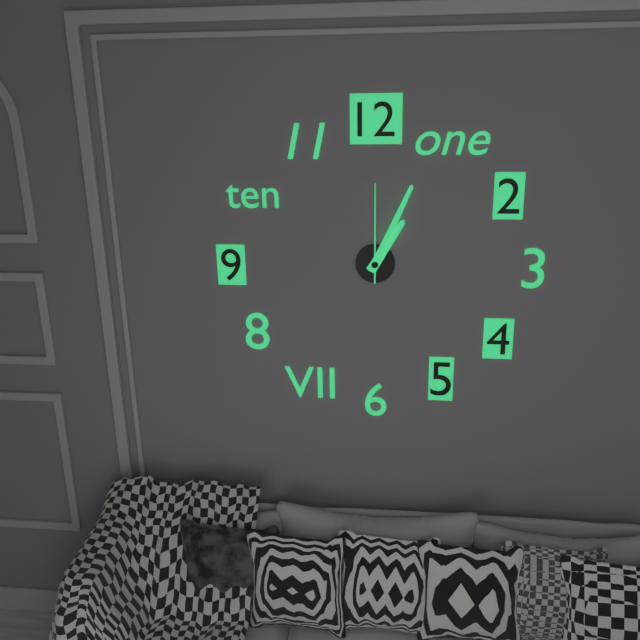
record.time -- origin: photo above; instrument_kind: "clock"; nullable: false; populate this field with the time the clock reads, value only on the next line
1:04:00
